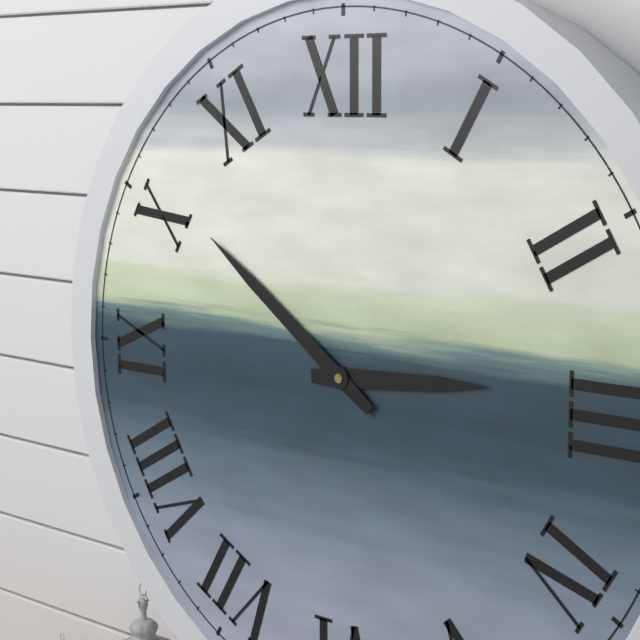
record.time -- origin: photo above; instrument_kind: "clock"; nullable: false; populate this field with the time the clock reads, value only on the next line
2:51
